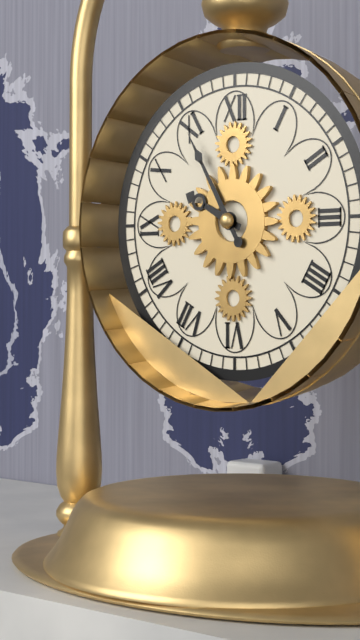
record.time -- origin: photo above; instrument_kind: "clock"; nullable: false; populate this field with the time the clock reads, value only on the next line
9:55
